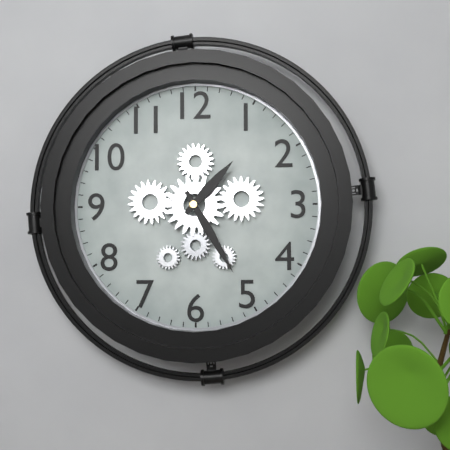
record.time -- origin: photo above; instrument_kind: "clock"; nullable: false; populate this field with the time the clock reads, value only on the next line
1:25
